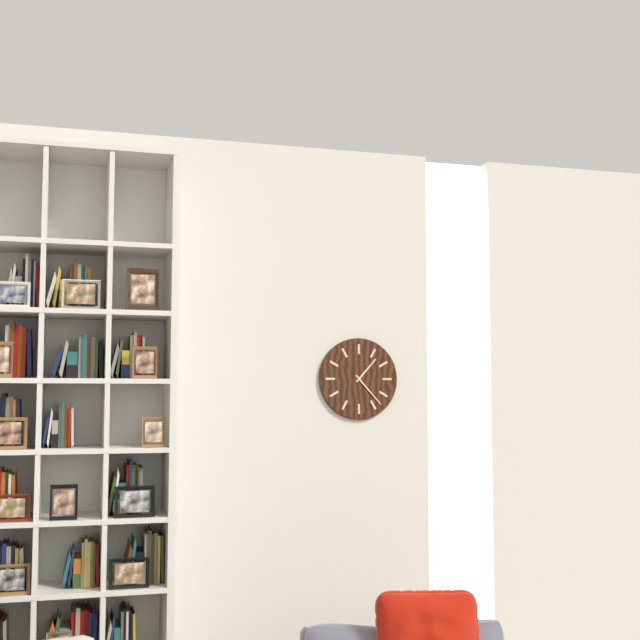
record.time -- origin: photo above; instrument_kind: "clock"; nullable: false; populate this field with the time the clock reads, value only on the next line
1:23
